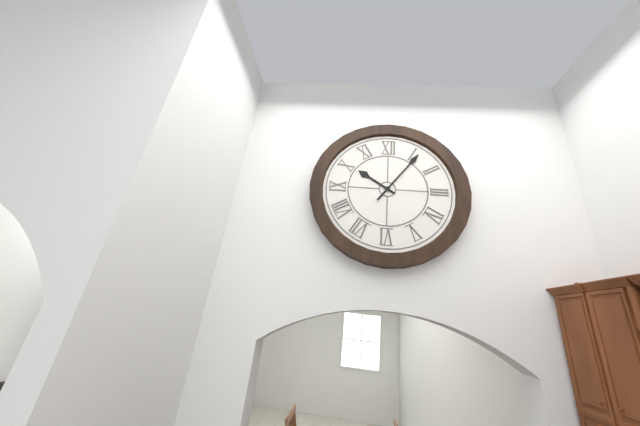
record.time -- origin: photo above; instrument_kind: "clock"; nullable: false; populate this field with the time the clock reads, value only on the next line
10:06
